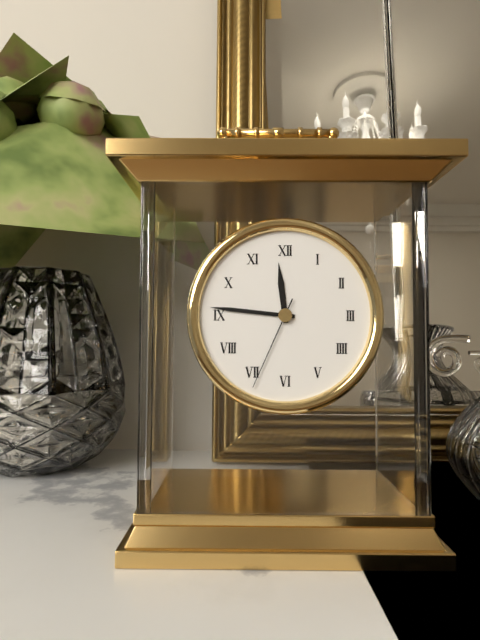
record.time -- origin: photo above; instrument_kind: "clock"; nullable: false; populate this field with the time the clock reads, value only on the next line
11:46:34
